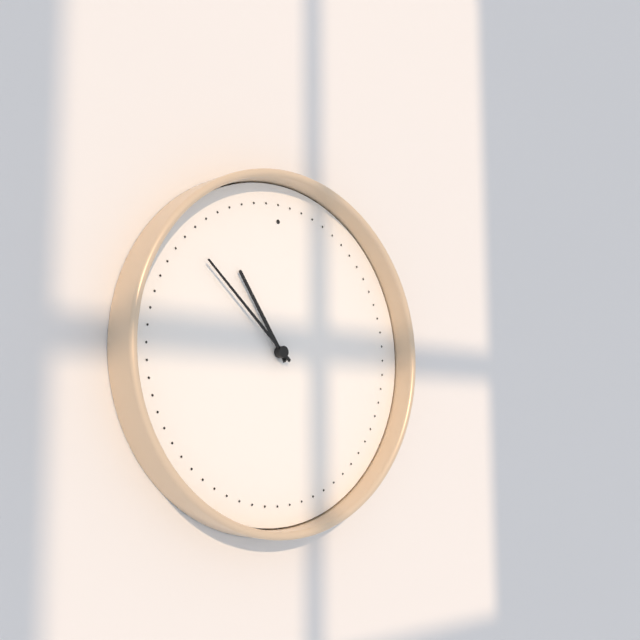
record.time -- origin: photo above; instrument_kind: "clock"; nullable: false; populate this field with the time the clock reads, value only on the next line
10:52
